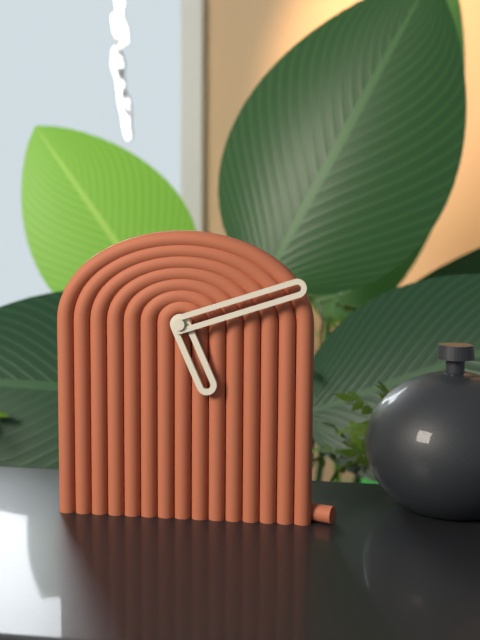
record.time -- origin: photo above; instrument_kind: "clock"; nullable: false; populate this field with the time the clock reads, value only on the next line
5:12
